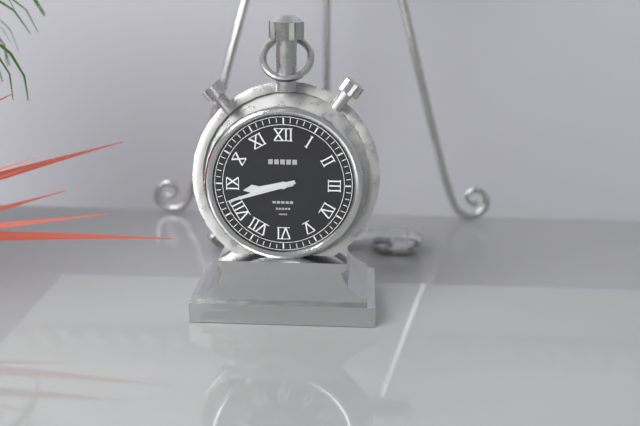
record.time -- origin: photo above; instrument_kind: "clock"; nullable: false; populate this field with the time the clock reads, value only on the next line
8:42
